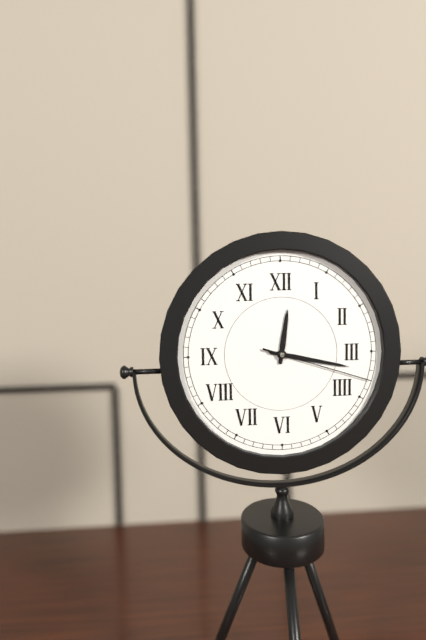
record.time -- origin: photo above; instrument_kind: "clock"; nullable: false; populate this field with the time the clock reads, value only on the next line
12:17:18
